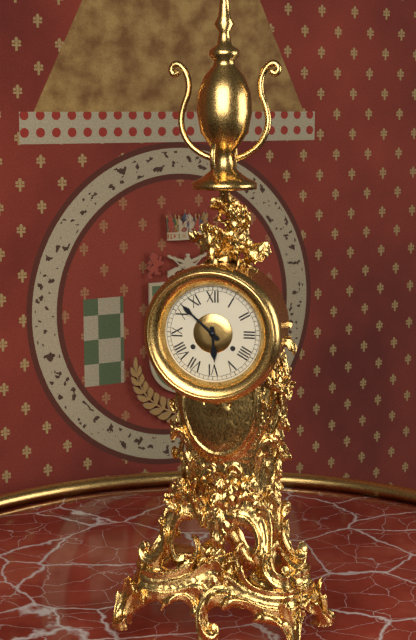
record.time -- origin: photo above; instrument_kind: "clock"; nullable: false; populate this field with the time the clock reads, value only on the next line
5:52
